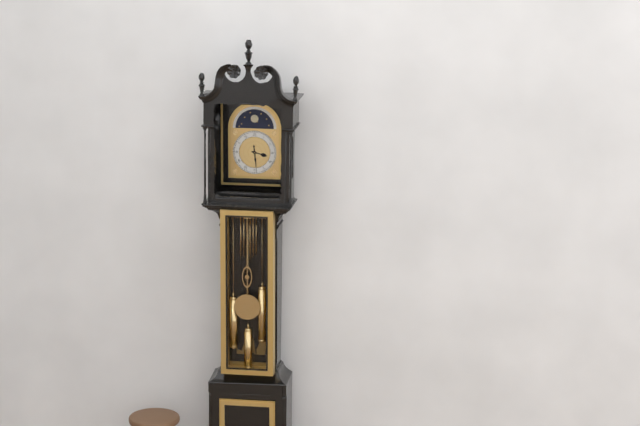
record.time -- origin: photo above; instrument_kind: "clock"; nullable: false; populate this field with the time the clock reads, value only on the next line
3:29
